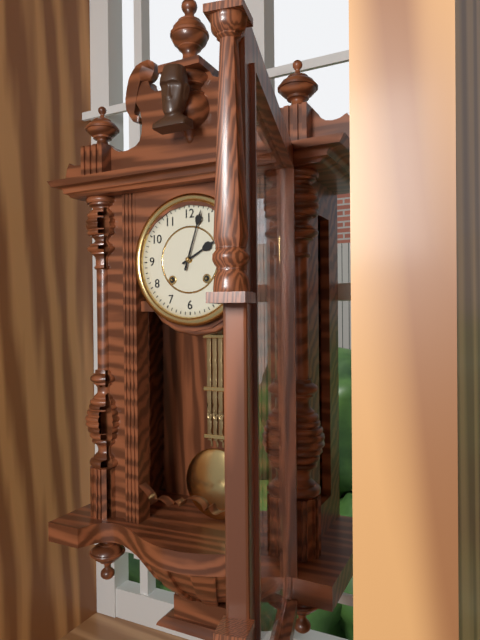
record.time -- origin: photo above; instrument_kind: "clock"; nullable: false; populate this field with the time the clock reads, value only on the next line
2:03
